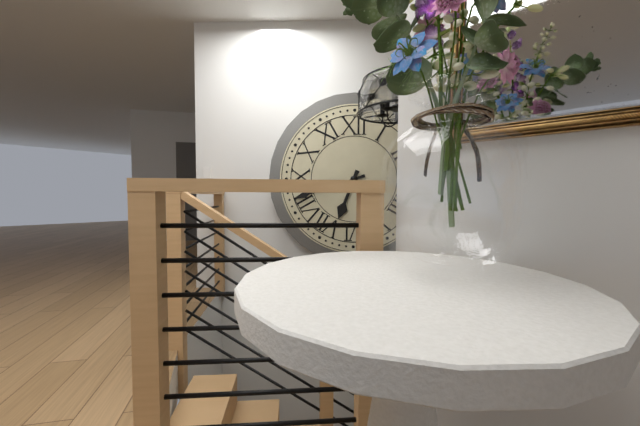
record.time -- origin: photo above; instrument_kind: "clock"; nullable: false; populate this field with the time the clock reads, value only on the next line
6:42
